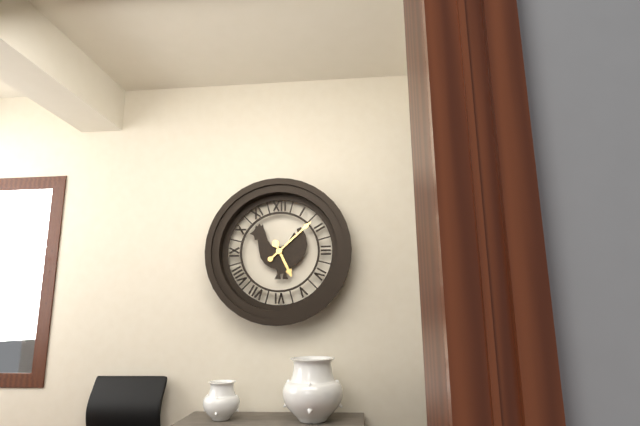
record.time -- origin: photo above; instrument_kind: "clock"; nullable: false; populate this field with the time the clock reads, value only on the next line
5:08
